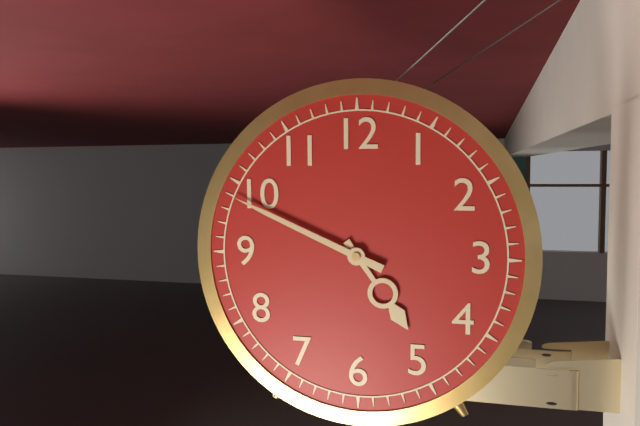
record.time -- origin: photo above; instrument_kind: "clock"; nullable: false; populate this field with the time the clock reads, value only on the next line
4:49
